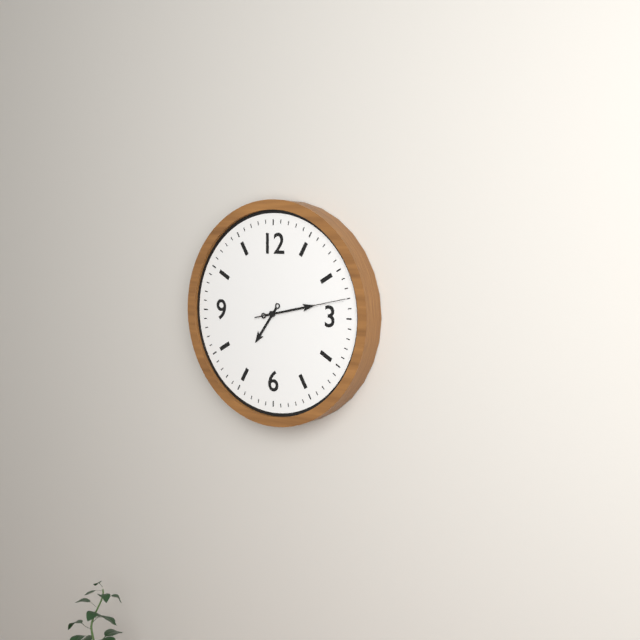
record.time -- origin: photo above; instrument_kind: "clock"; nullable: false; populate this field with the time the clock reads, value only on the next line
7:13:13
